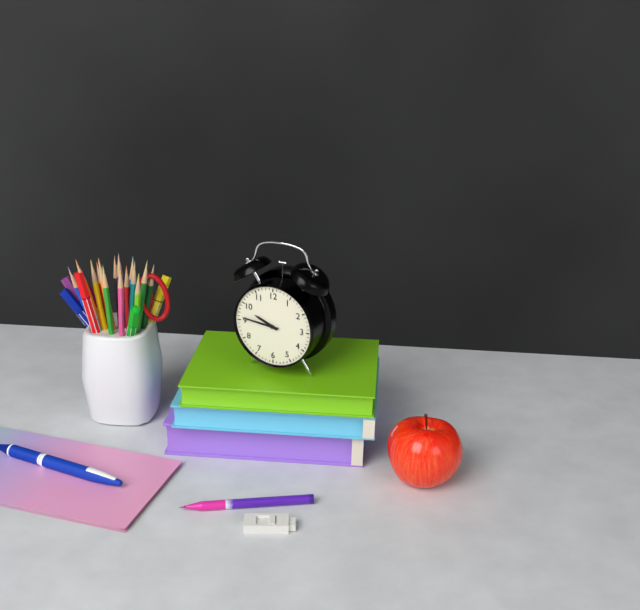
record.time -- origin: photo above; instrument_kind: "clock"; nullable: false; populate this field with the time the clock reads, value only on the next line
9:46
